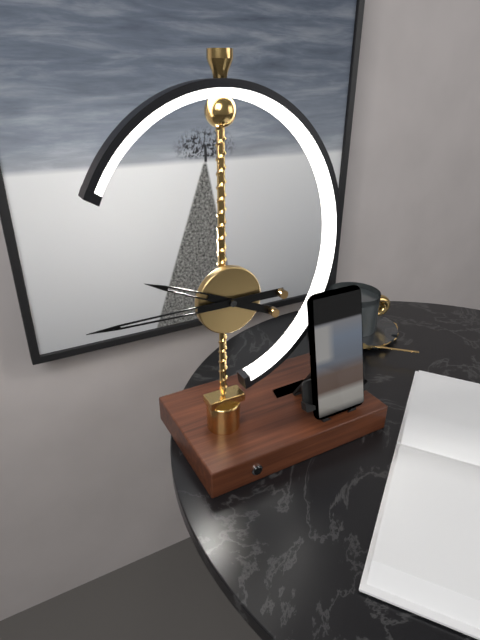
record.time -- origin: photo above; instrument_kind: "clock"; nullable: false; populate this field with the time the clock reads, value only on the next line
9:45
